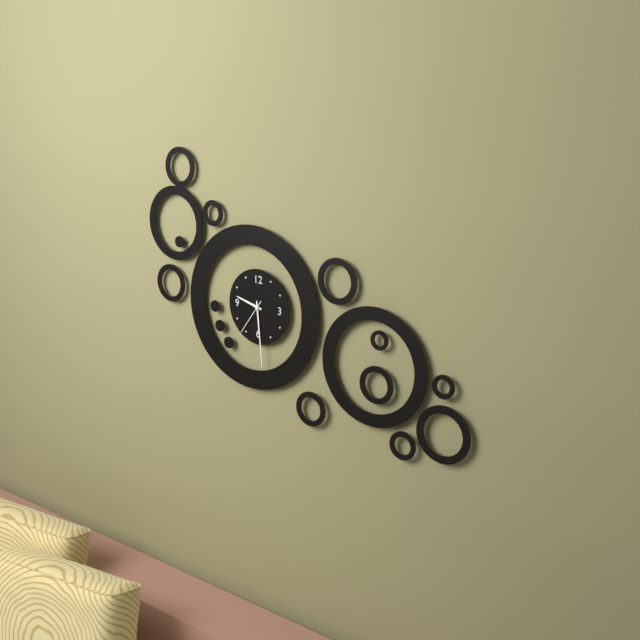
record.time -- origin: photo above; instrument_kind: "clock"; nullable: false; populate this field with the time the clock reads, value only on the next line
9:29
